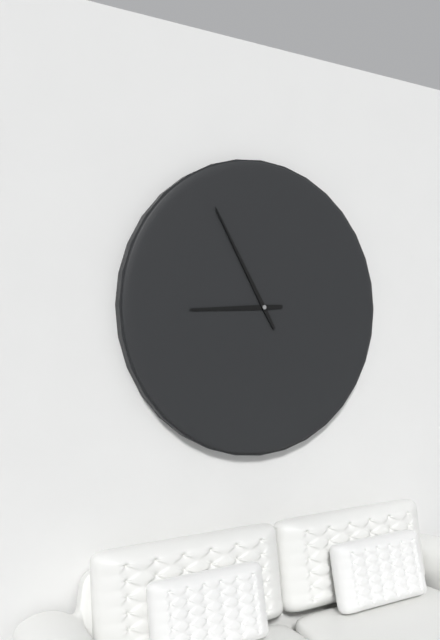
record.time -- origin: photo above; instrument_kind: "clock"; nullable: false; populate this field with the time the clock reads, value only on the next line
8:55
